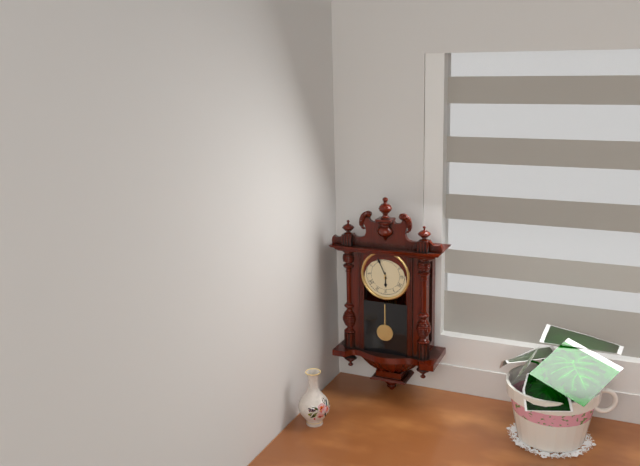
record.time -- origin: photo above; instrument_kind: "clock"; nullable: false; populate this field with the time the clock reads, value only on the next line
5:56
